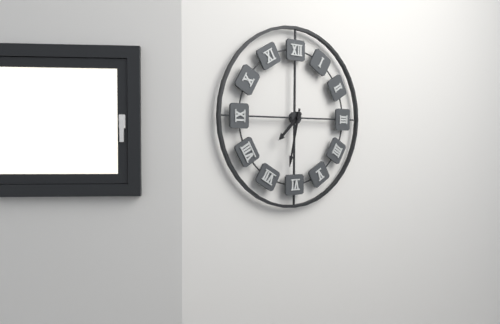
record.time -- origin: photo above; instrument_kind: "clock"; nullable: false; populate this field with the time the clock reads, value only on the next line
7:32
